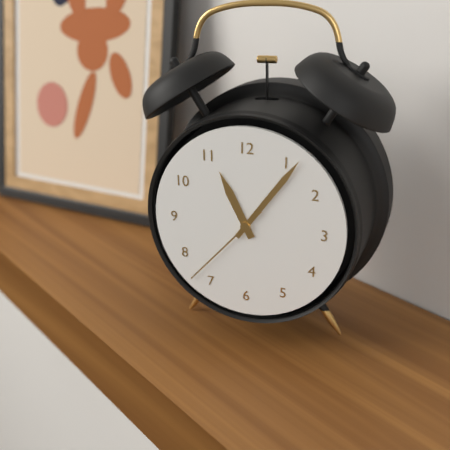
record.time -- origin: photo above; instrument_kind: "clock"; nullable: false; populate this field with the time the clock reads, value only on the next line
11:06:37
